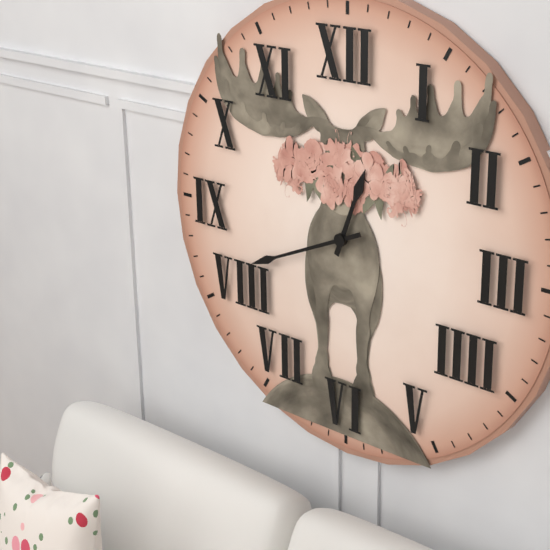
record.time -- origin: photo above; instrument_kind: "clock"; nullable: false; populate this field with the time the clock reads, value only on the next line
12:41
